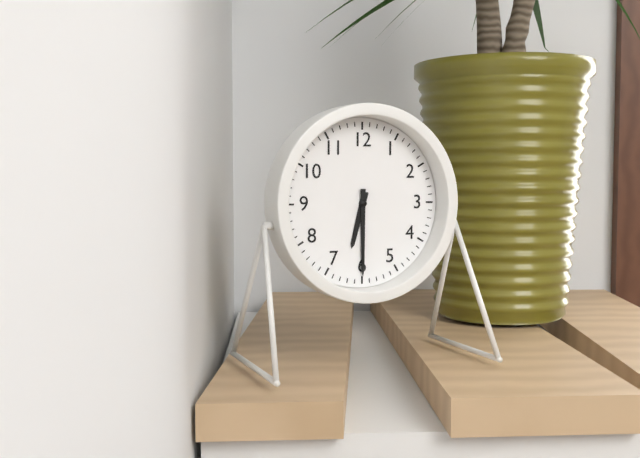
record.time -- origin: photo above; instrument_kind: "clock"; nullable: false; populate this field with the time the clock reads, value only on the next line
6:30
